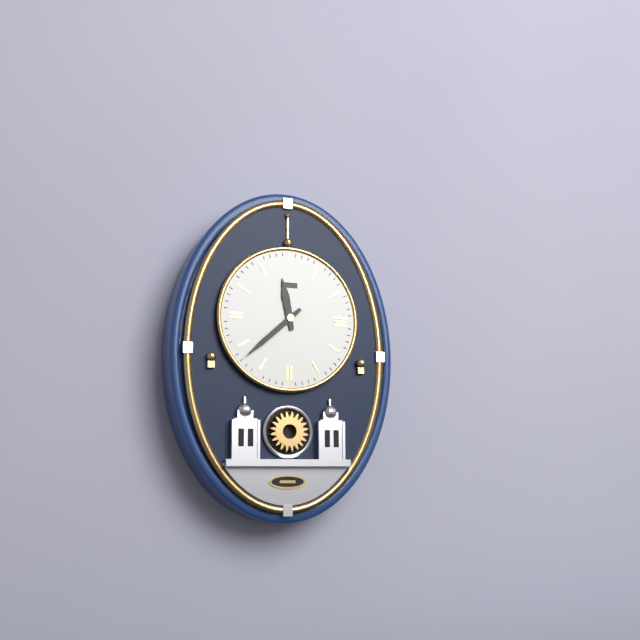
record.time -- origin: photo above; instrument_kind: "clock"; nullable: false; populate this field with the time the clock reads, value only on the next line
11:38
